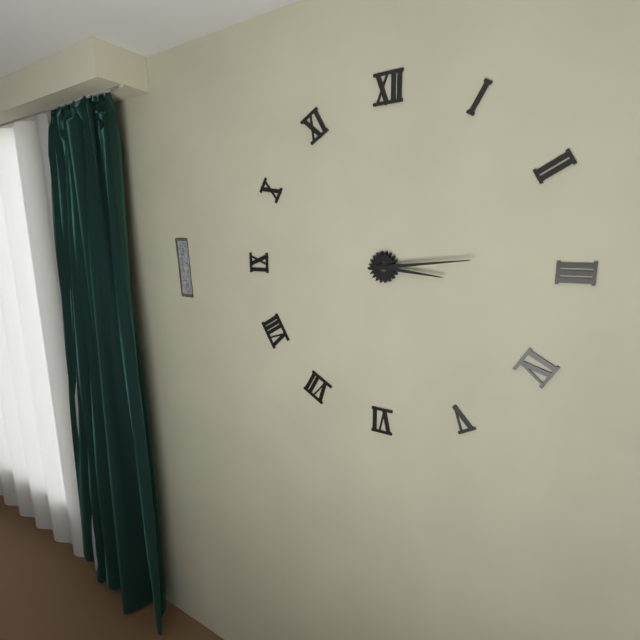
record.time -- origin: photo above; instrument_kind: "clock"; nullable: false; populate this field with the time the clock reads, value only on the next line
3:14
